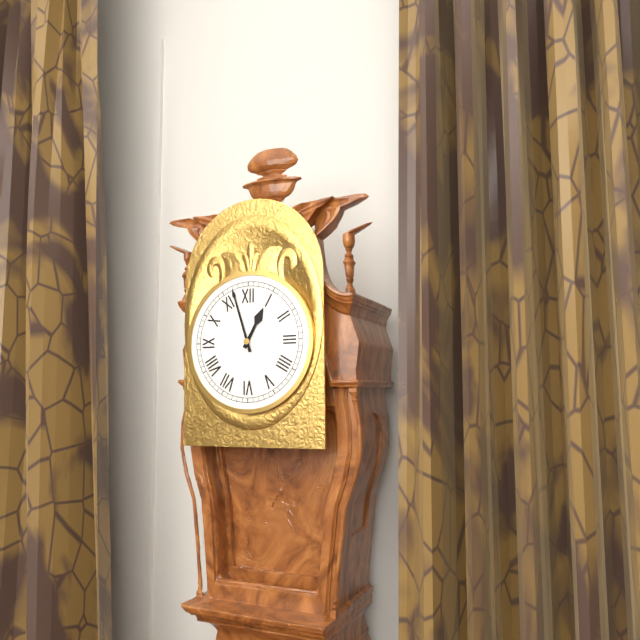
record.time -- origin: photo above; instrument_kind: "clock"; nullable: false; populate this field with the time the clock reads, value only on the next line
12:57
